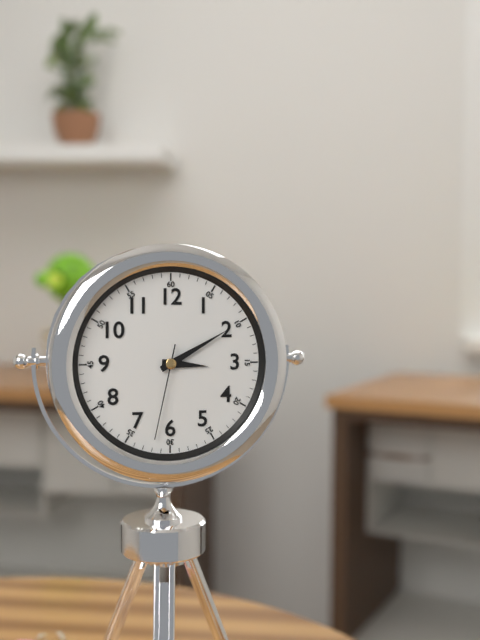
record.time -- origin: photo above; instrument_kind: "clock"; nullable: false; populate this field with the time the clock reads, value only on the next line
3:10:32
